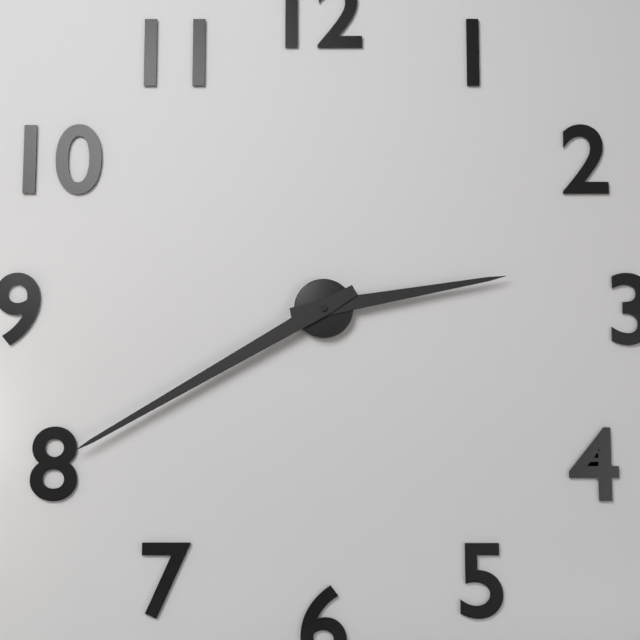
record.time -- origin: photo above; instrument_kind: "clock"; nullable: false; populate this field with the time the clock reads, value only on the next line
2:40
